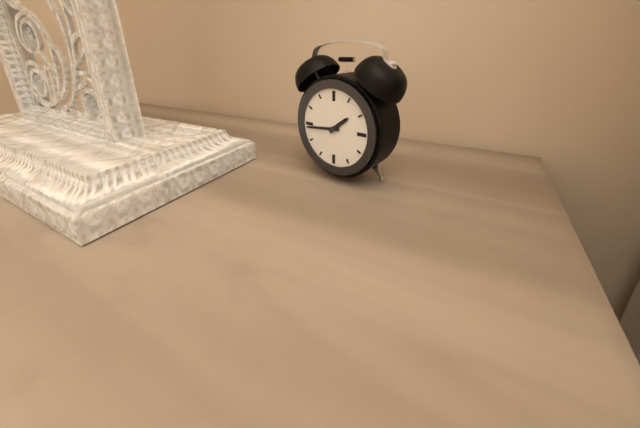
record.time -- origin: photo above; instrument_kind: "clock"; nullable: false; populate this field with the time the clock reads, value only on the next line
1:44
